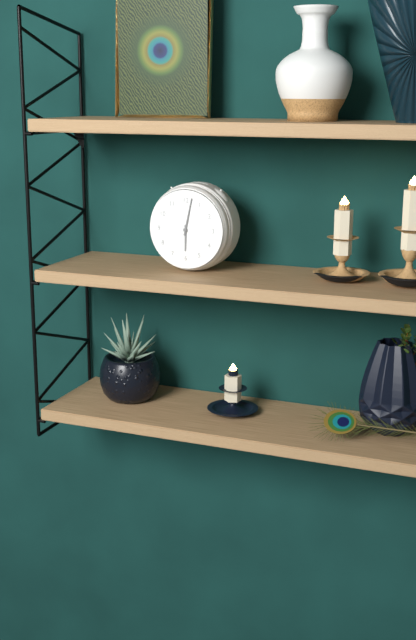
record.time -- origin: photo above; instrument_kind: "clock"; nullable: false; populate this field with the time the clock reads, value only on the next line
6:02
